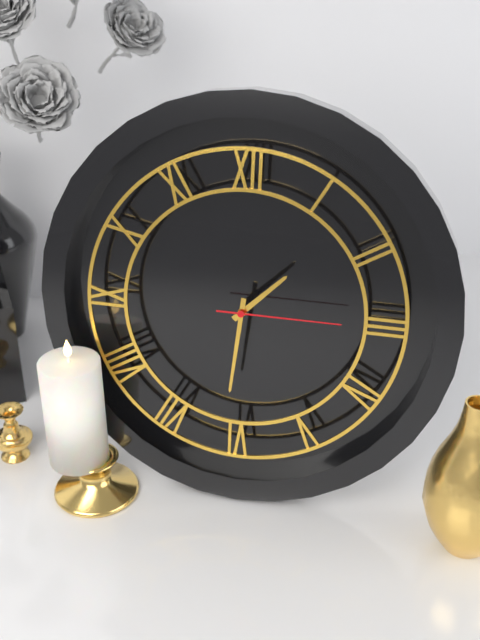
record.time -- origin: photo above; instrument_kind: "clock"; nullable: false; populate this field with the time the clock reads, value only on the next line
1:31:15
